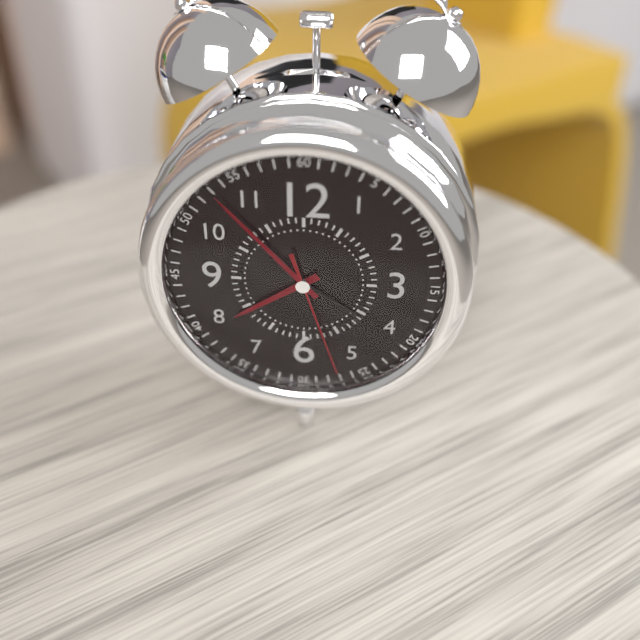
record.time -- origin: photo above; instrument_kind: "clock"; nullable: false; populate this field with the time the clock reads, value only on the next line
7:53:27
